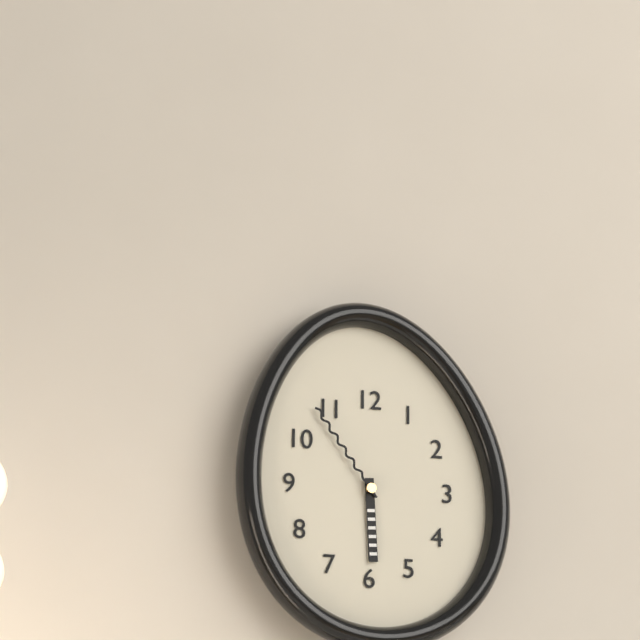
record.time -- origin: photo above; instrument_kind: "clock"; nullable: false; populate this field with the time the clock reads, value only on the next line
5:54
